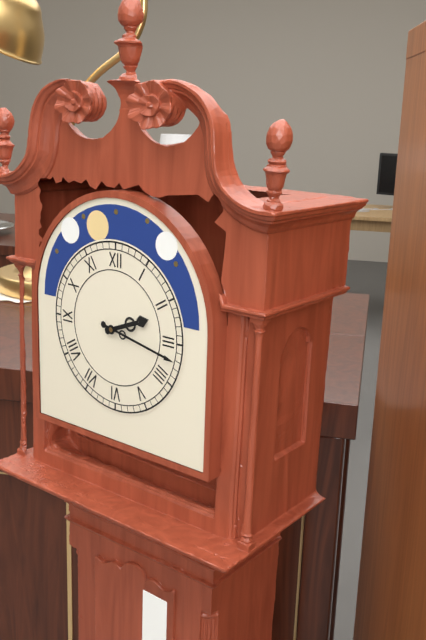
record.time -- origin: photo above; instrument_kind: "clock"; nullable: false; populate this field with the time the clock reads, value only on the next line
2:17
